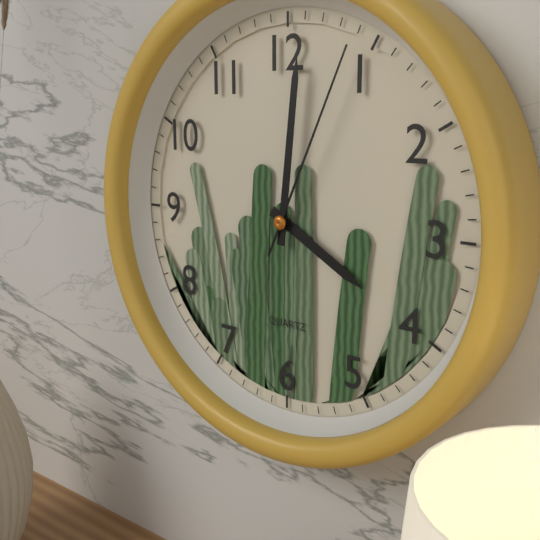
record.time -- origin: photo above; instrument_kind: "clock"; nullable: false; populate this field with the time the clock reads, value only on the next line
4:01:04
